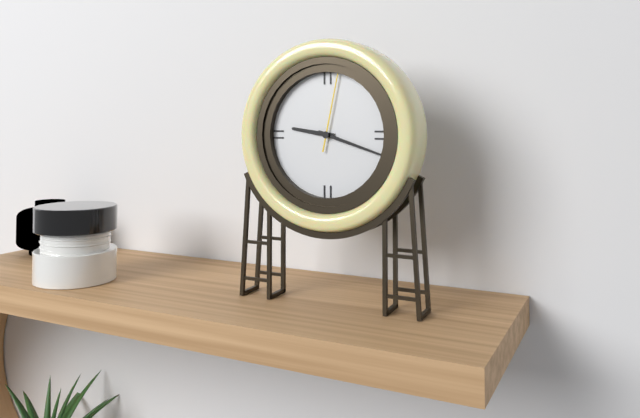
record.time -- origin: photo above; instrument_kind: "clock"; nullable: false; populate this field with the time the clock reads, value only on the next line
9:18:02
